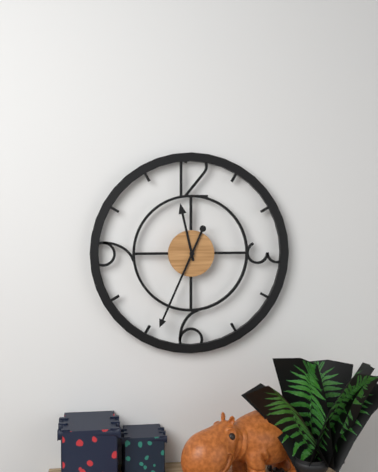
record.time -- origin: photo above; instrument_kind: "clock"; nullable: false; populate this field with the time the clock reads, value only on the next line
11:34
